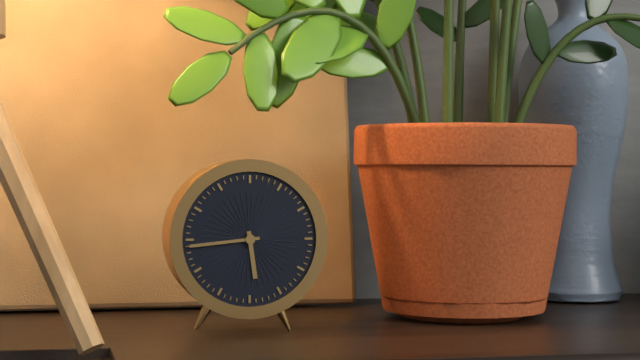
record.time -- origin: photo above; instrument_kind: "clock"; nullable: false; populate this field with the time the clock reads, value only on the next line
5:44
